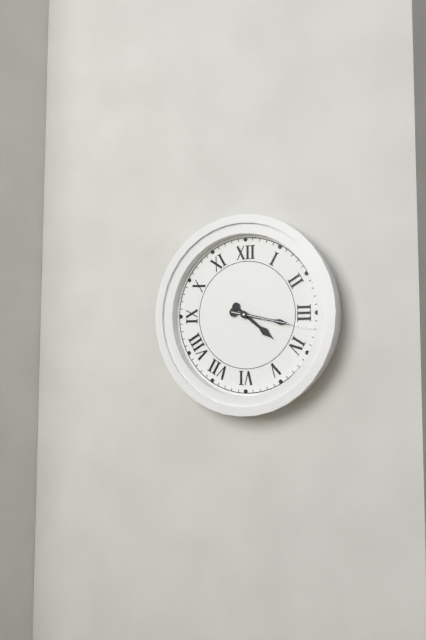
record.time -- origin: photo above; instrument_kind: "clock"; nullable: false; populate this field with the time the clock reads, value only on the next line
4:17:17
